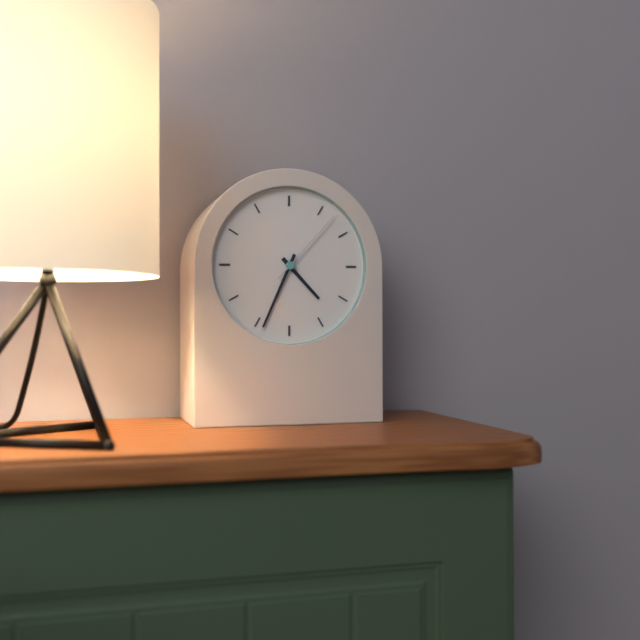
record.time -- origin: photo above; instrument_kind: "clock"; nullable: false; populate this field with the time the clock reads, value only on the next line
4:34:07
